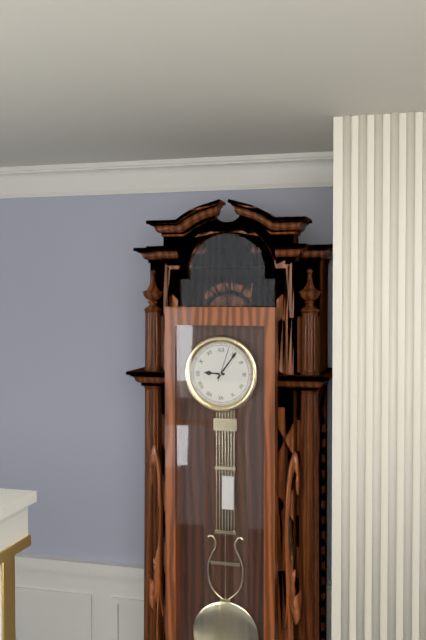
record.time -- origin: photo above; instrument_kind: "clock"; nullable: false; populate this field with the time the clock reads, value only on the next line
9:06
